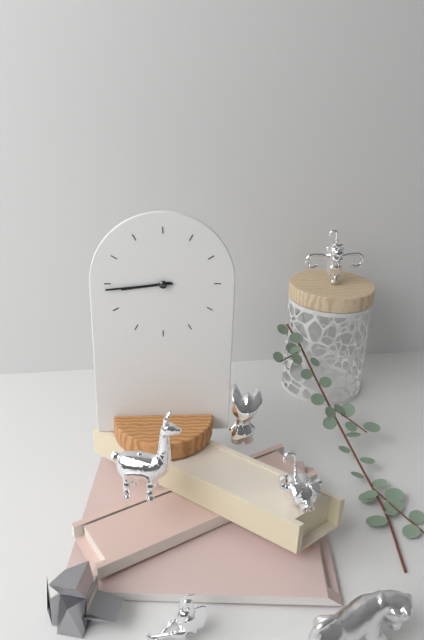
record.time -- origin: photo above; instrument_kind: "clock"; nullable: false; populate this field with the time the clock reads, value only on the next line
8:44
